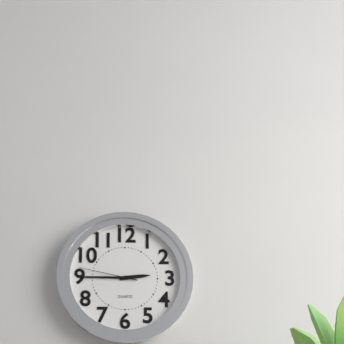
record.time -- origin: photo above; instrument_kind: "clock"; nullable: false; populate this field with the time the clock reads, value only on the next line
2:45:47
